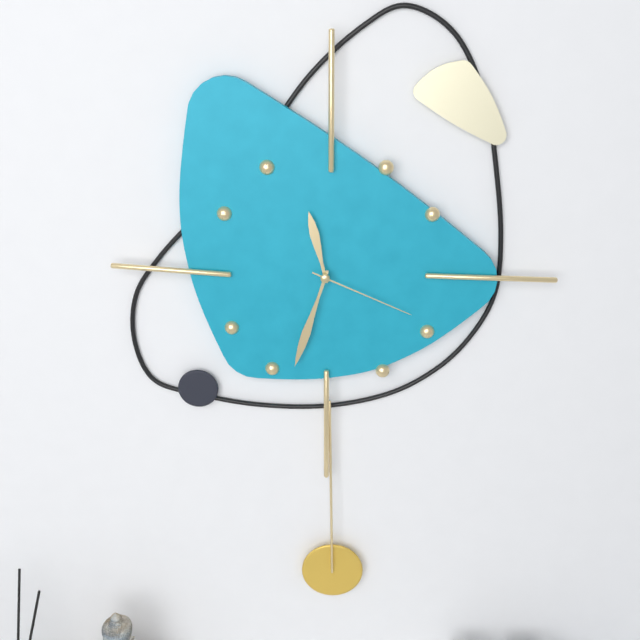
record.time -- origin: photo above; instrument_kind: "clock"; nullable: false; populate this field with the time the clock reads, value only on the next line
11:33:19
